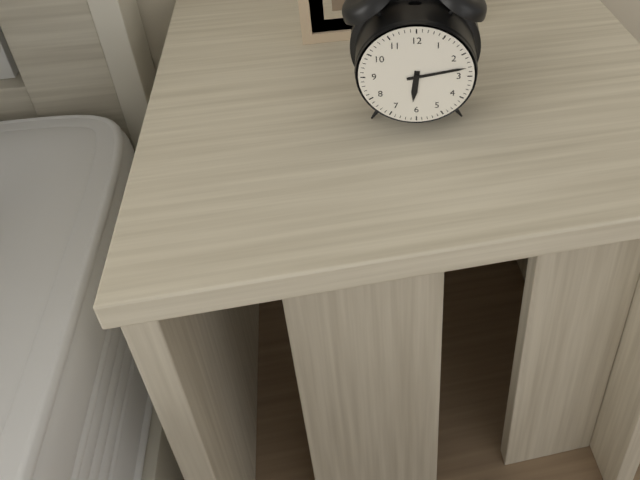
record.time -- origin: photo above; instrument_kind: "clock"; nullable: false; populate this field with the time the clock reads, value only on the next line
6:13
